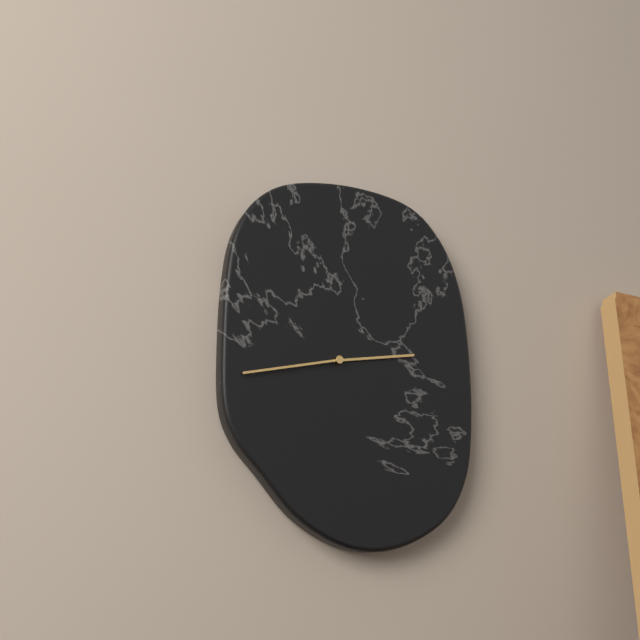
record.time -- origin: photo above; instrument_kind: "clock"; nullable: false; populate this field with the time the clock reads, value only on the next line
2:43
